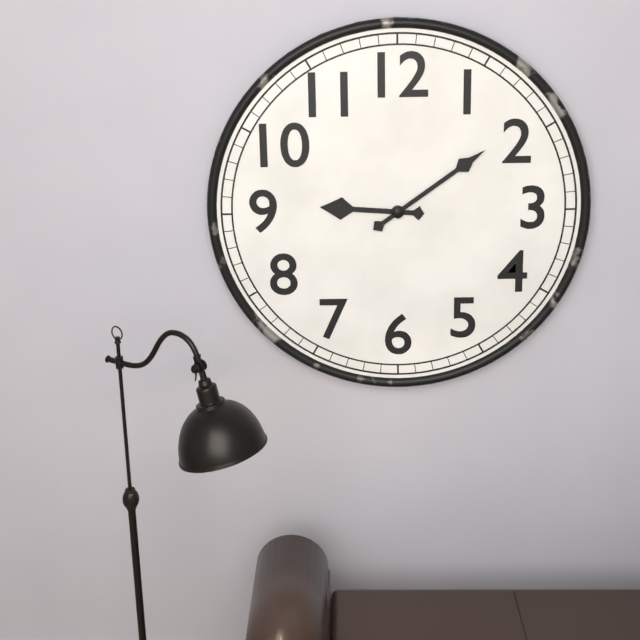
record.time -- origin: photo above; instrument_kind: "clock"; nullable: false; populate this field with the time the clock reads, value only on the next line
9:09
